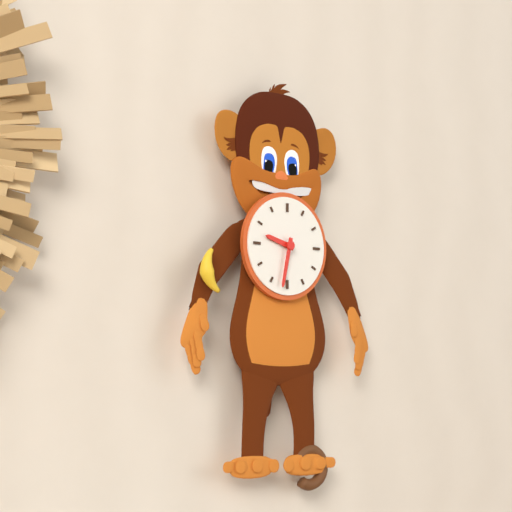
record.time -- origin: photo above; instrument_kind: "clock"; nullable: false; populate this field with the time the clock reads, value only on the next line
9:32
